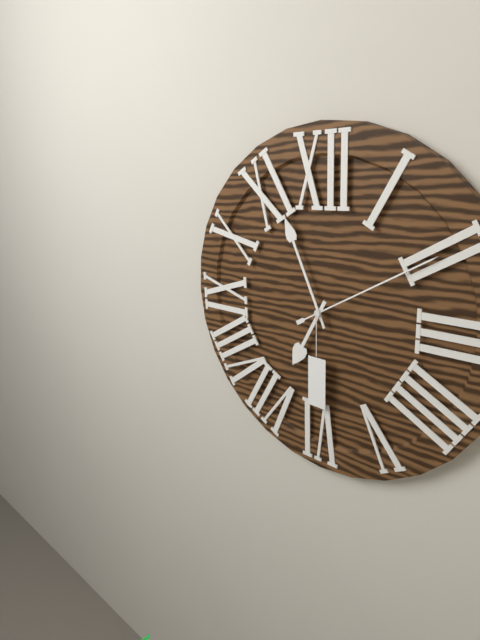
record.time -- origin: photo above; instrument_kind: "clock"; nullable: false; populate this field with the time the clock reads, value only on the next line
6:56:10
